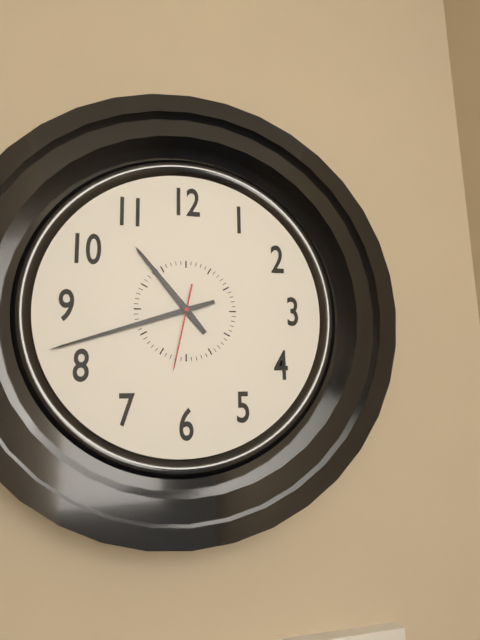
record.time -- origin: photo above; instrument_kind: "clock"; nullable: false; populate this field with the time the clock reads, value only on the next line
10:42:32
